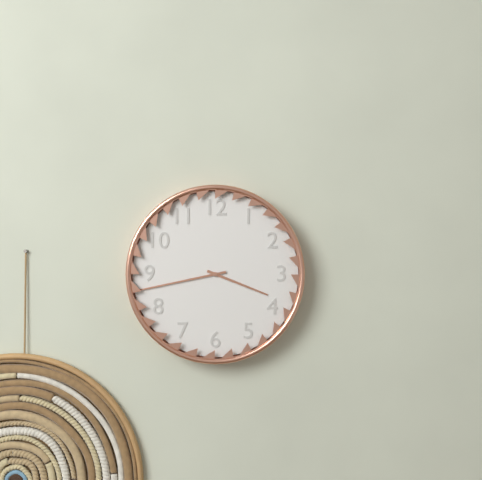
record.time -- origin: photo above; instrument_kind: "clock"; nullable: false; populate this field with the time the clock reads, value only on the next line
3:43
